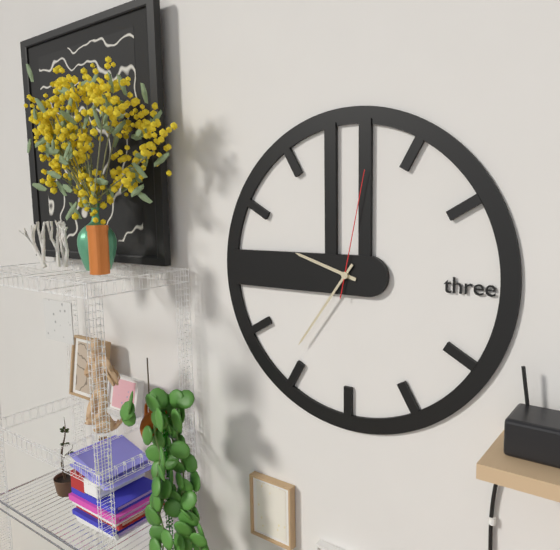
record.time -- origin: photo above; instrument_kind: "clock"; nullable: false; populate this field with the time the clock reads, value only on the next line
9:36:02
